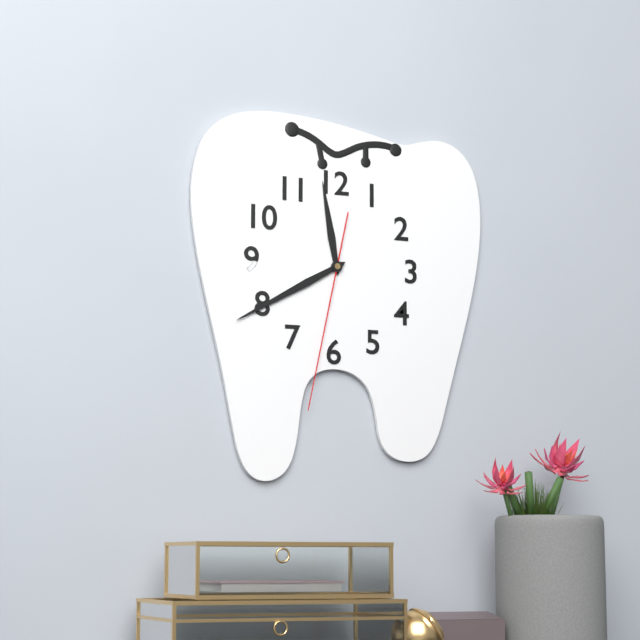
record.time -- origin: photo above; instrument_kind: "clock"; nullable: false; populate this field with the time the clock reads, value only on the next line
11:40:32
